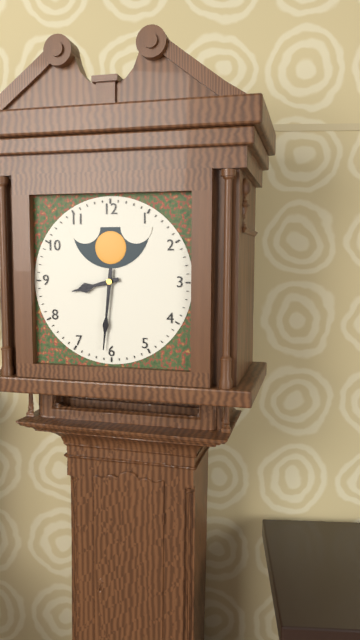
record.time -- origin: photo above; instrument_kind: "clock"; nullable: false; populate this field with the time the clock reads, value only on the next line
8:31
